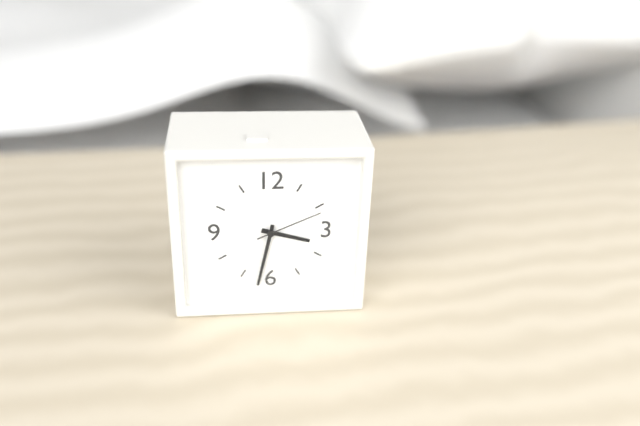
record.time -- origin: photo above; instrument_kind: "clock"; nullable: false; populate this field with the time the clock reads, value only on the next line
3:32:11
